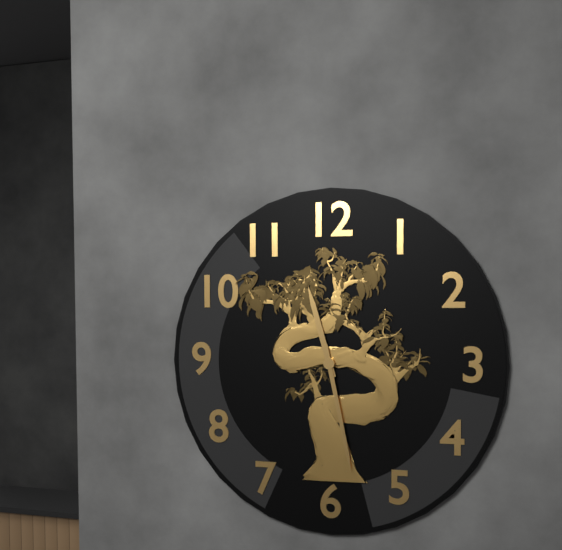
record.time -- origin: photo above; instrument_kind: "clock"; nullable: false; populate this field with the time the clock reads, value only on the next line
11:28
